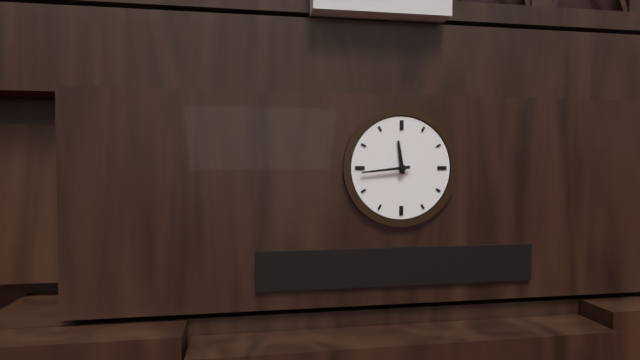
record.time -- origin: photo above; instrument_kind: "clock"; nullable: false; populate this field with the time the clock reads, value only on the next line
11:44
